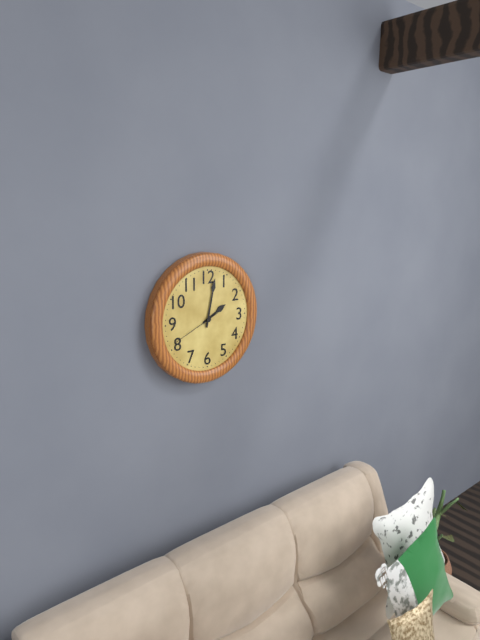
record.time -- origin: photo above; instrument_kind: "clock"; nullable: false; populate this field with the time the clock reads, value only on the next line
2:02:41
